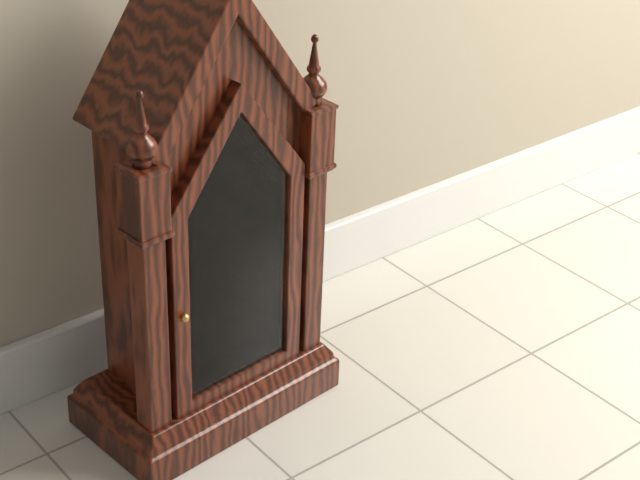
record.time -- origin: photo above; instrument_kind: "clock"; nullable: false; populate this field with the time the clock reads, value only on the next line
1:13
